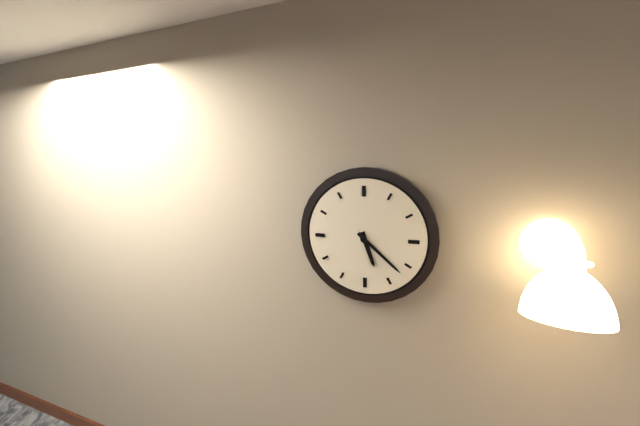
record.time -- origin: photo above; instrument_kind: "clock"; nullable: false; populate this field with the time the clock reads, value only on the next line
5:22
